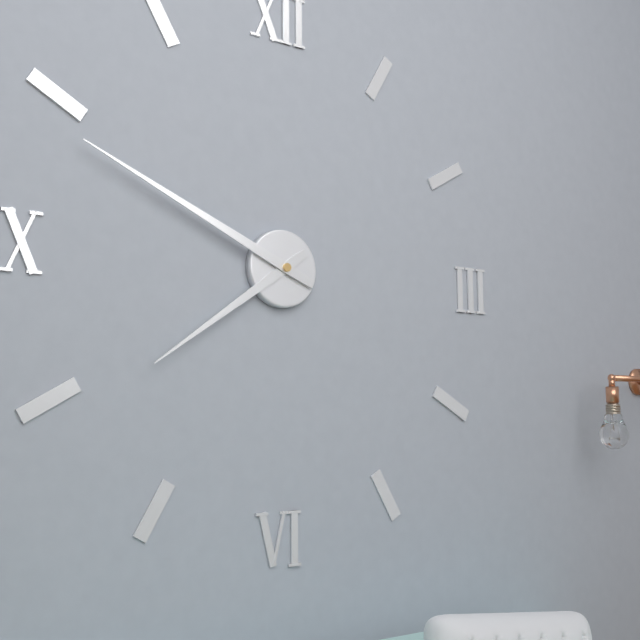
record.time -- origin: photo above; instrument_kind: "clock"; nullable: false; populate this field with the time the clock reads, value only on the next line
7:49
